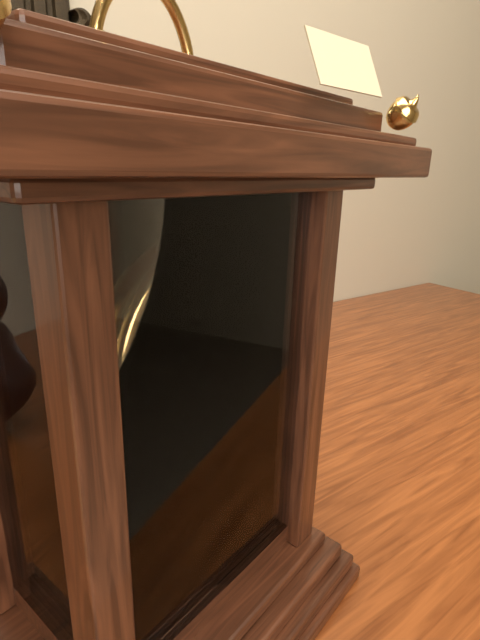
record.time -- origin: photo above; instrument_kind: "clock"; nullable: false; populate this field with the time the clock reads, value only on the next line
9:44
